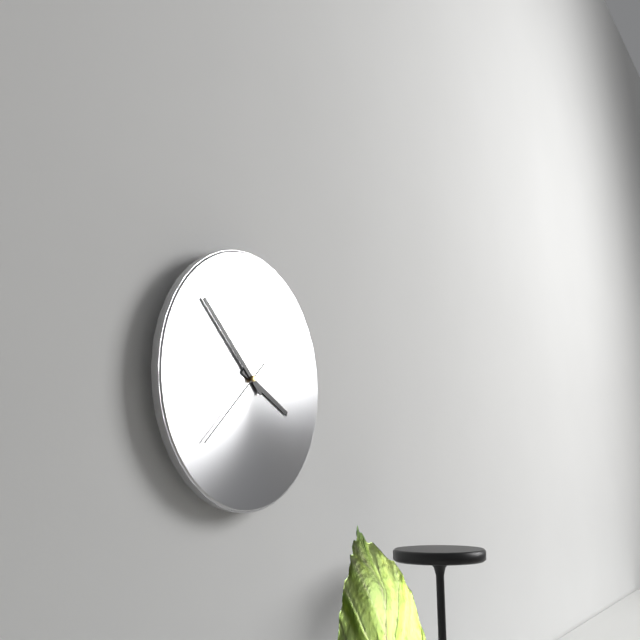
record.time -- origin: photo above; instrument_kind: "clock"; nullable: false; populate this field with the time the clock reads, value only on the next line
3:52:38
